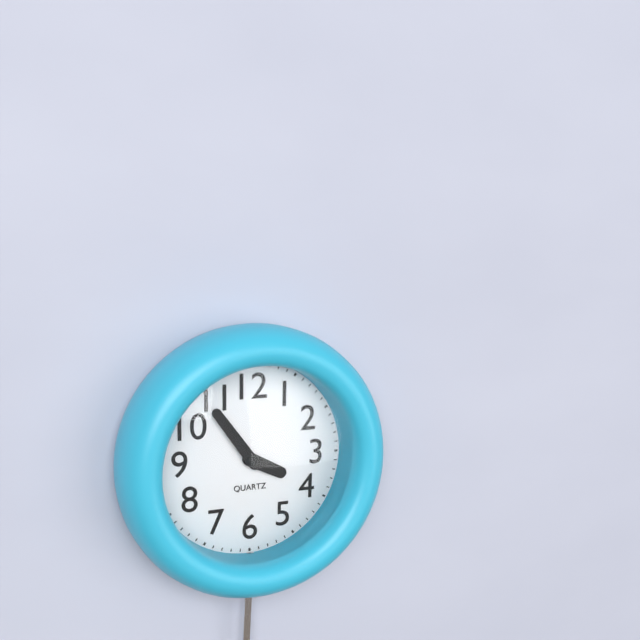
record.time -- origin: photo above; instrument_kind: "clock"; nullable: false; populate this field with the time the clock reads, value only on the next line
3:54
